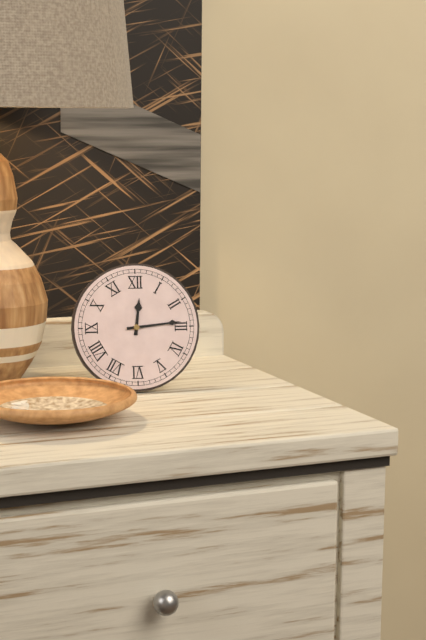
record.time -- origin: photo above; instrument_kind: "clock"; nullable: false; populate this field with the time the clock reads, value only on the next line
12:14
